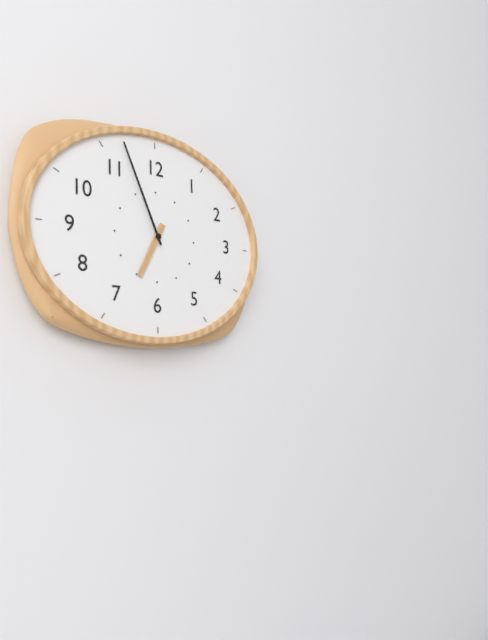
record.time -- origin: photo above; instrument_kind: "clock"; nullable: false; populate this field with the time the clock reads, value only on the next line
6:56
